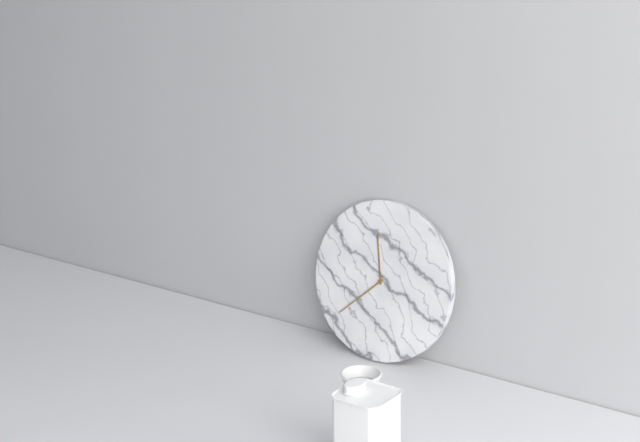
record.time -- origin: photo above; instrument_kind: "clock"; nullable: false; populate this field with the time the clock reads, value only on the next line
11:38
